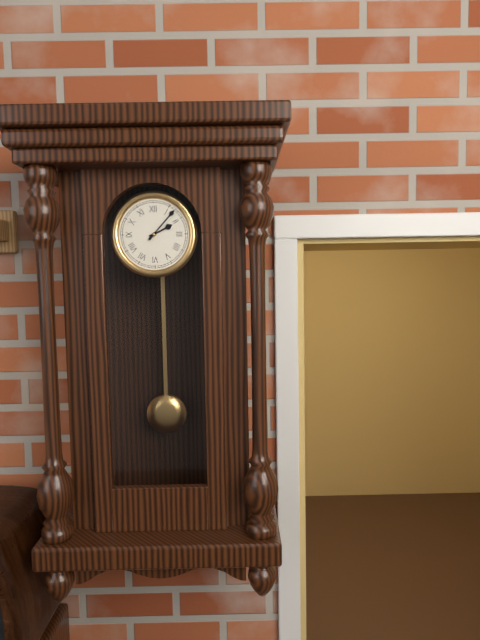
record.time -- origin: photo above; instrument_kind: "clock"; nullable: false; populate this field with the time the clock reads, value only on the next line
2:07
